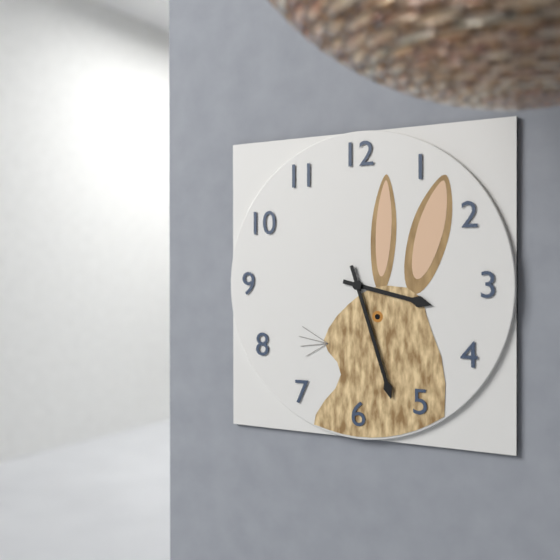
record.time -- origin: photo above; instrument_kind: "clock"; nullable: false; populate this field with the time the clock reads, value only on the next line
3:27
